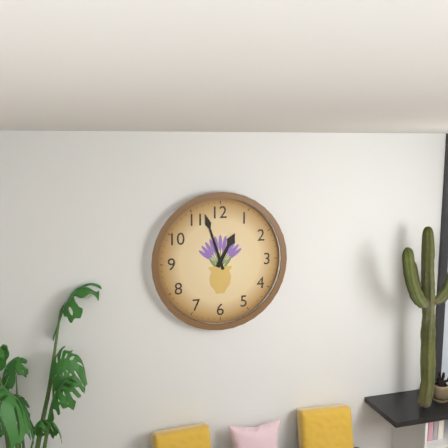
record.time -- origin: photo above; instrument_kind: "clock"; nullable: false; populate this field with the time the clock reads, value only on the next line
12:57
